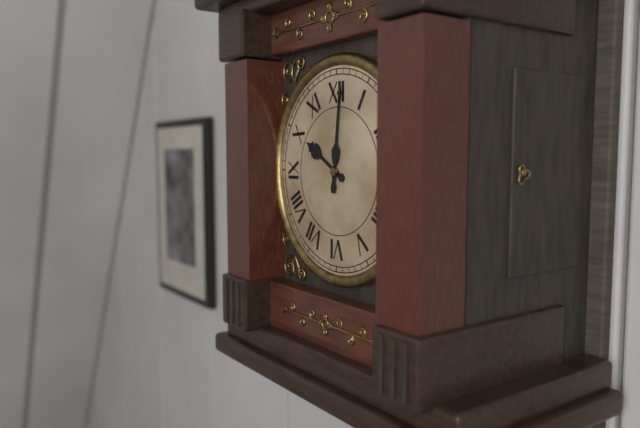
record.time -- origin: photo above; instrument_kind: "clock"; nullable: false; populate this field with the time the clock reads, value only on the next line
10:01
